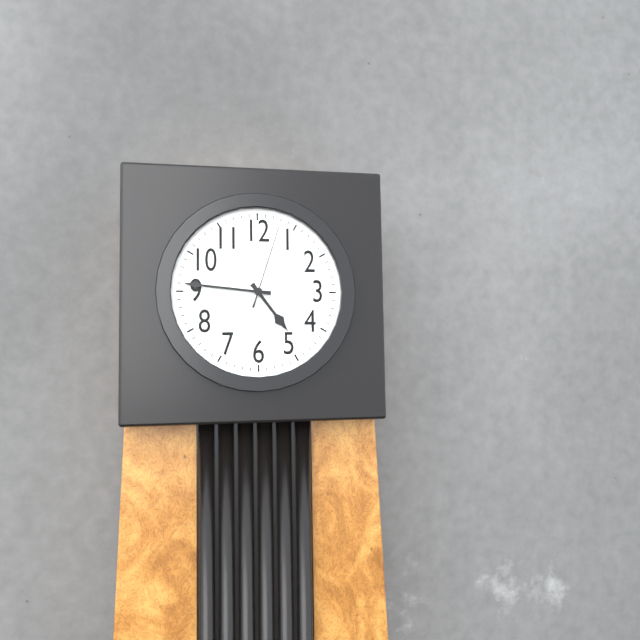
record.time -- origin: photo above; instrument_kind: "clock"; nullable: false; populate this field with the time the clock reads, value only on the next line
4:46:03
